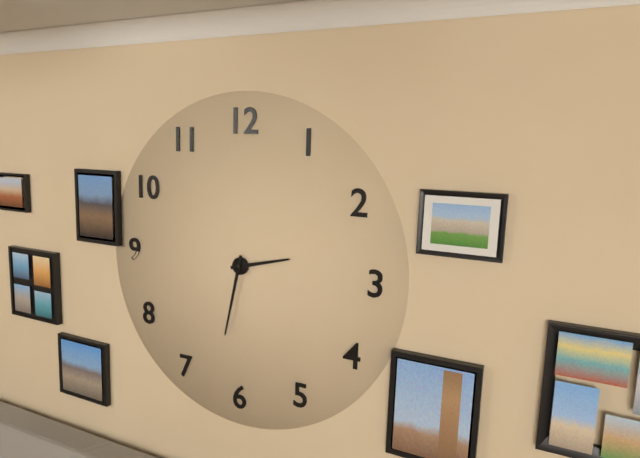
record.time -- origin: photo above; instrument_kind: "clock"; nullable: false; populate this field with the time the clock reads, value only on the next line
2:32
